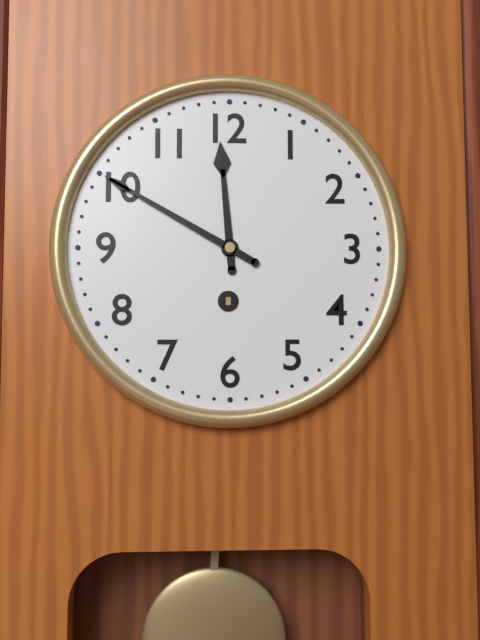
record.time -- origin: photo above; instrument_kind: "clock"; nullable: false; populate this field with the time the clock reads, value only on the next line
11:50
